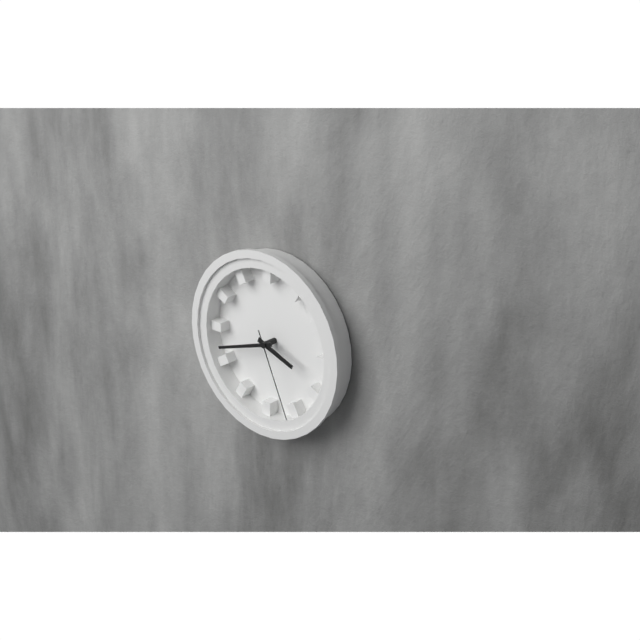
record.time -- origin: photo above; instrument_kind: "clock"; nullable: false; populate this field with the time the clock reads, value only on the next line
3:42:26
